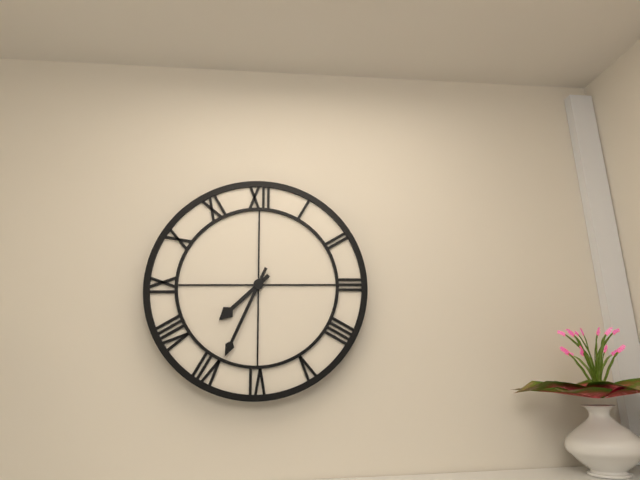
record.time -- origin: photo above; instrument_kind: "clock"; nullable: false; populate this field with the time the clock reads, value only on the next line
7:34
